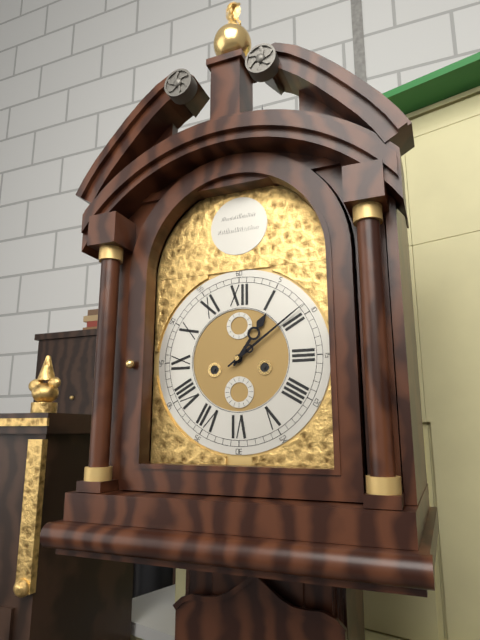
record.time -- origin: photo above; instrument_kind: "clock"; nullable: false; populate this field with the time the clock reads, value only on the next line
1:09
